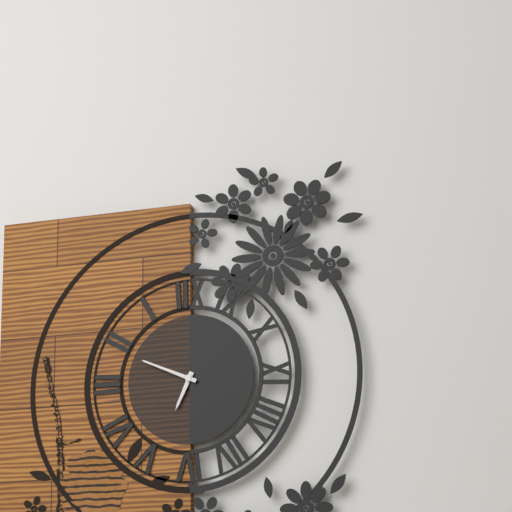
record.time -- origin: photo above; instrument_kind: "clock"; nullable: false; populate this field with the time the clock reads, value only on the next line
6:49
